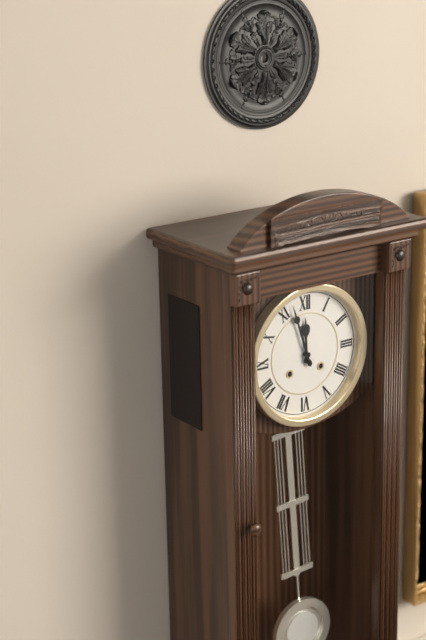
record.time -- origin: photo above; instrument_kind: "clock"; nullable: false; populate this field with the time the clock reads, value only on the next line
11:57
